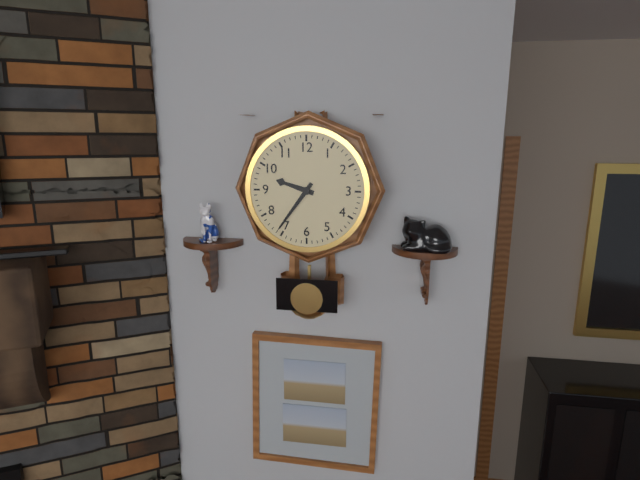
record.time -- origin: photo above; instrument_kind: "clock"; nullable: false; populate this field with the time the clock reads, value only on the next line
9:36
